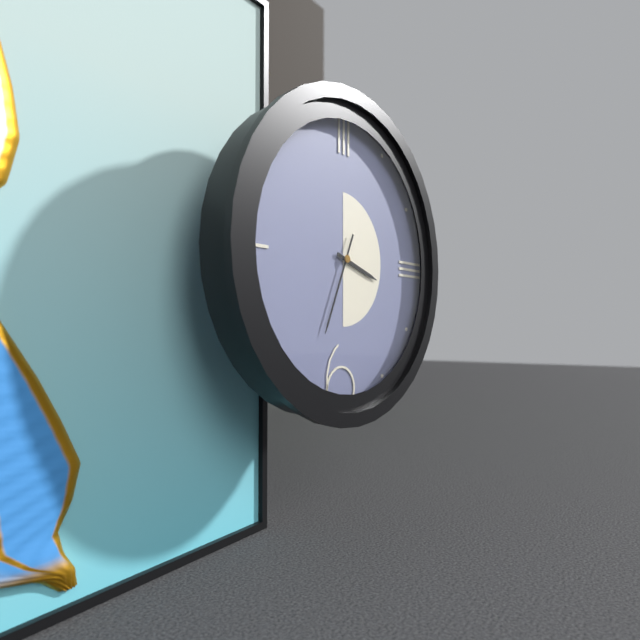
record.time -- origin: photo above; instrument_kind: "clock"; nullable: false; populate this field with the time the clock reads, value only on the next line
3:34
